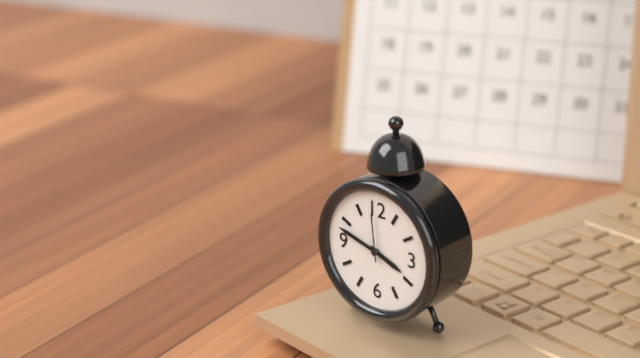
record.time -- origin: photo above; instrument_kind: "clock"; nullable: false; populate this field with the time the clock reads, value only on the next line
3:48
